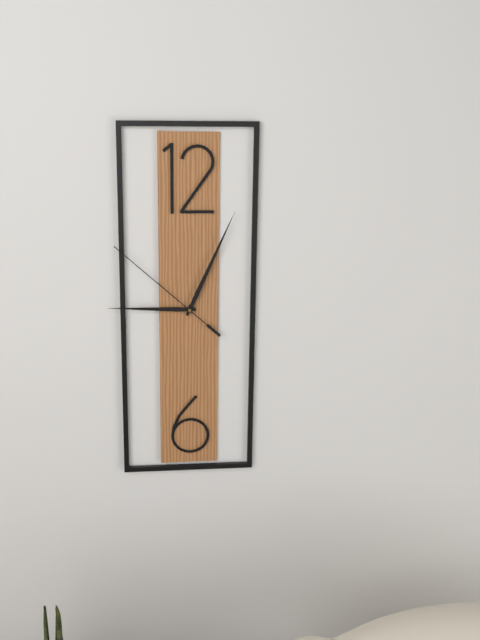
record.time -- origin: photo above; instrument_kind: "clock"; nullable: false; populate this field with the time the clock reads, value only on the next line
9:04:52
